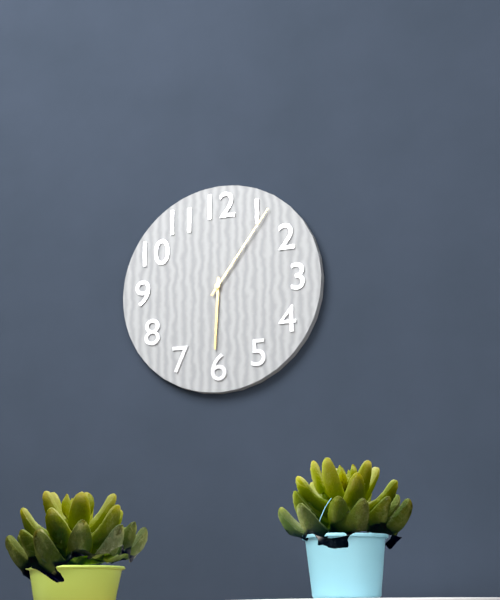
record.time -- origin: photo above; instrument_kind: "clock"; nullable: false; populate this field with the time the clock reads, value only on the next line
6:06
